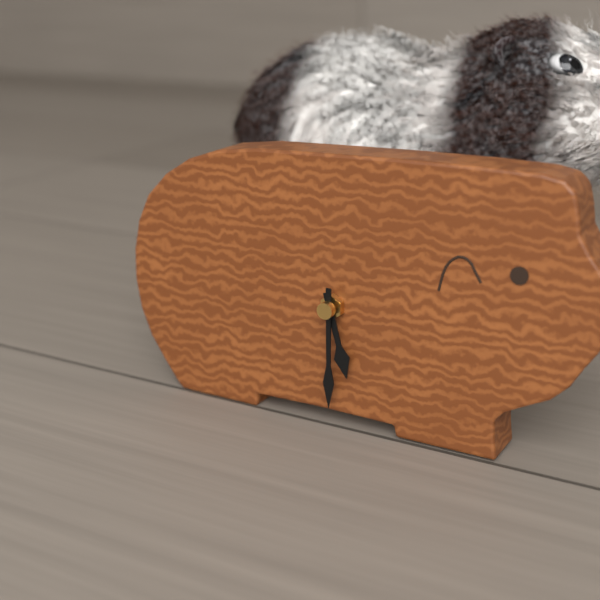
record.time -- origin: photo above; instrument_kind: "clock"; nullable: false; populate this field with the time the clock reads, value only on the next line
5:30
